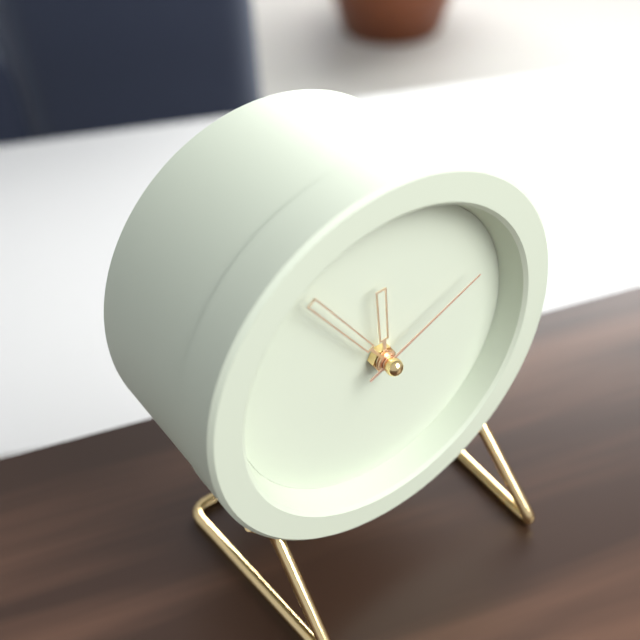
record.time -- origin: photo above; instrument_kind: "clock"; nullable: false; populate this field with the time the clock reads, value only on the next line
11:54:11
